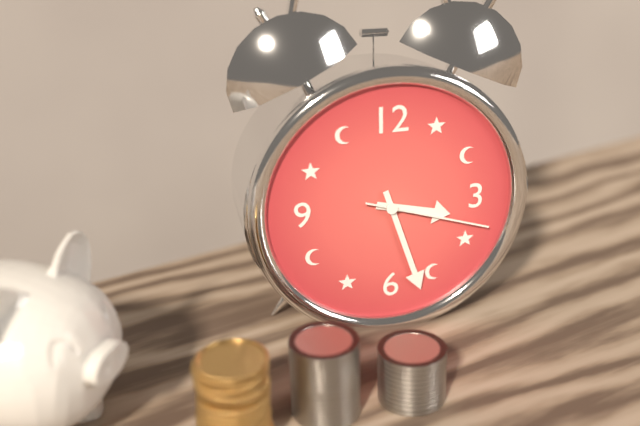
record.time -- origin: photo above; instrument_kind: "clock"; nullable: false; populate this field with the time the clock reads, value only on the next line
3:27:18
